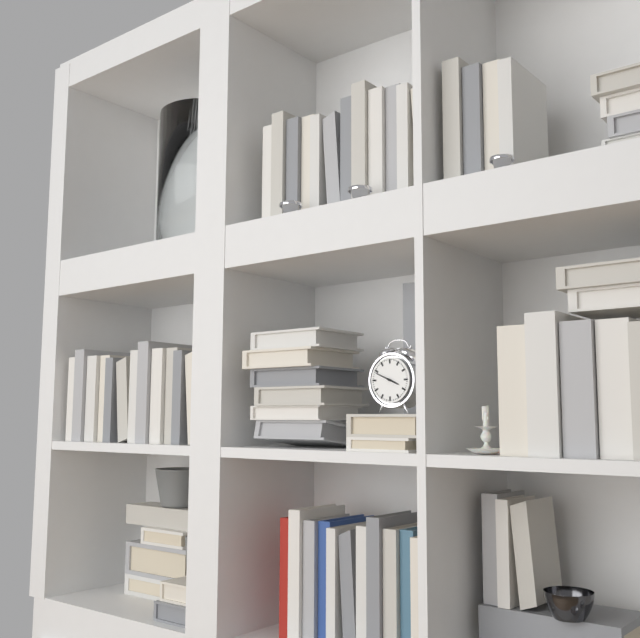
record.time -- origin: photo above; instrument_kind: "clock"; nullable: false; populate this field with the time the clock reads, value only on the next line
3:49
